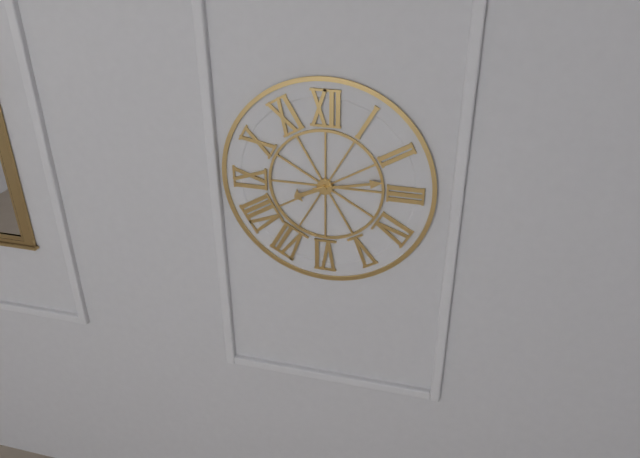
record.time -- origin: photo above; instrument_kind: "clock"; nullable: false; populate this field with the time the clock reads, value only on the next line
8:13
